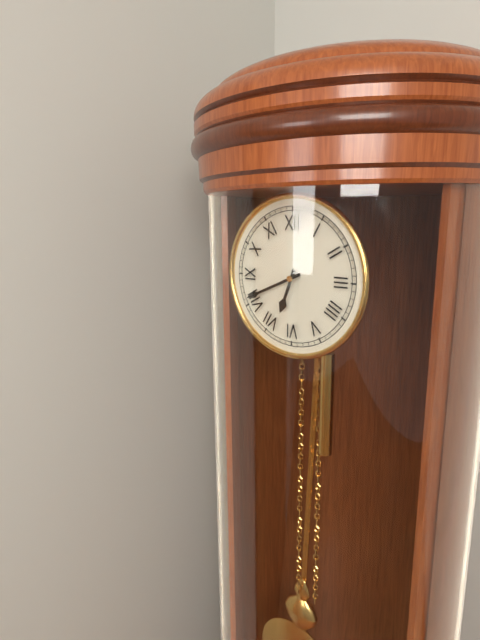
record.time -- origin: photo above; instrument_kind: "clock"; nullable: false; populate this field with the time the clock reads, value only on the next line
6:41
